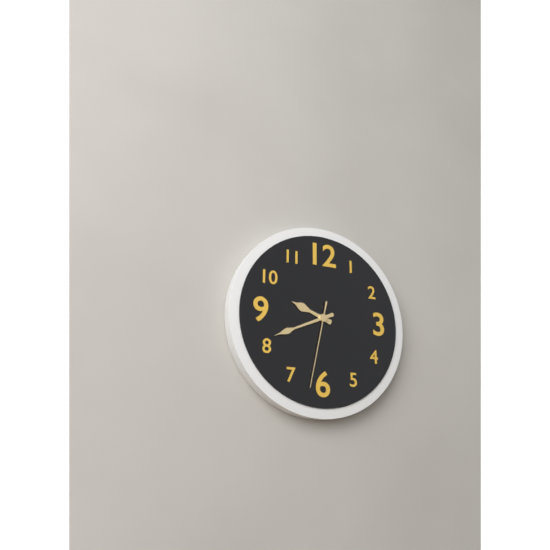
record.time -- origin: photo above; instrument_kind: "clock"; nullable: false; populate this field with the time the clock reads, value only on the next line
9:41:32
